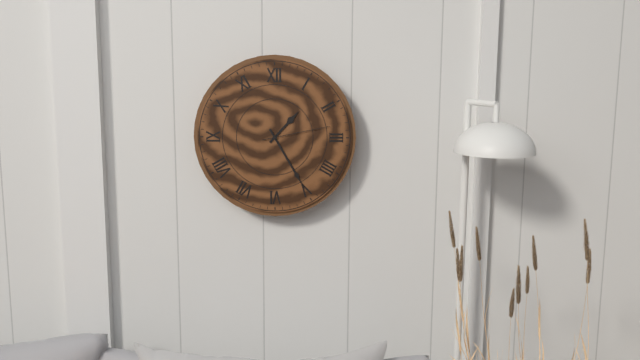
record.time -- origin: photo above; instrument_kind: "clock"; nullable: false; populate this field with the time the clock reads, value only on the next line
1:25:13
